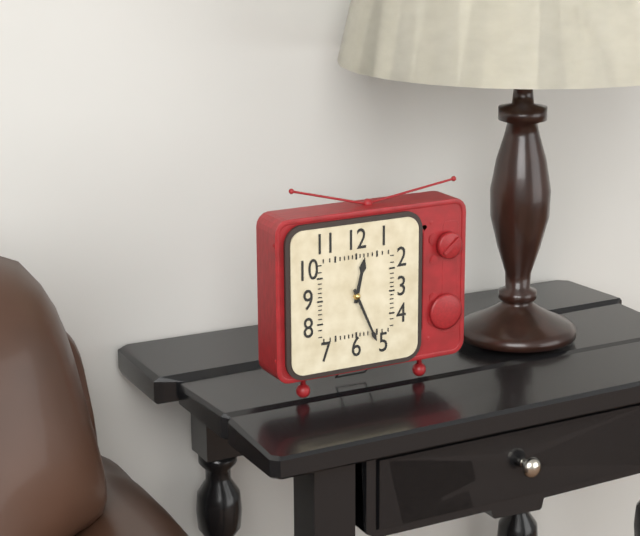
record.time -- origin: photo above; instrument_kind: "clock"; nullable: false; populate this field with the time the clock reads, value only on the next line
12:26
